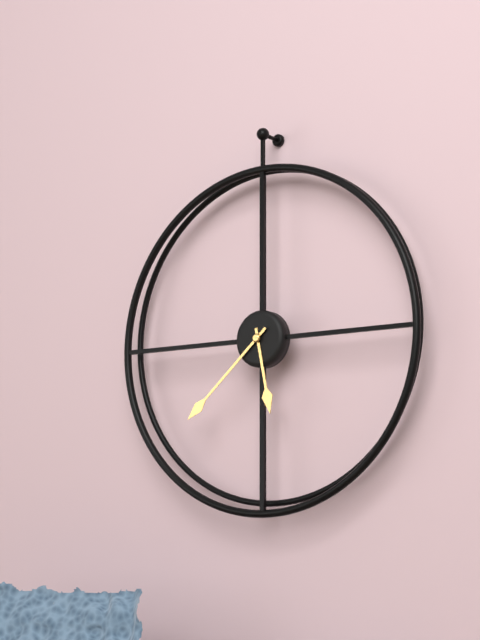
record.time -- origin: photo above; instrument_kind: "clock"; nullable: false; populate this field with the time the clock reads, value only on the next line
5:38
